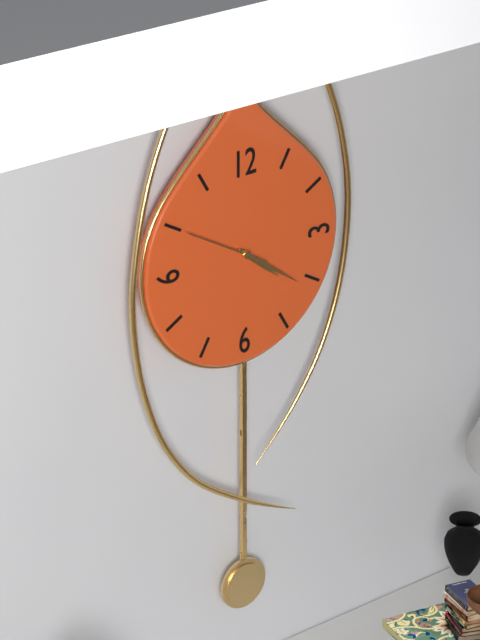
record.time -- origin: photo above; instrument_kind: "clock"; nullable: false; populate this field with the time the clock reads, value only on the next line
4:21:50
